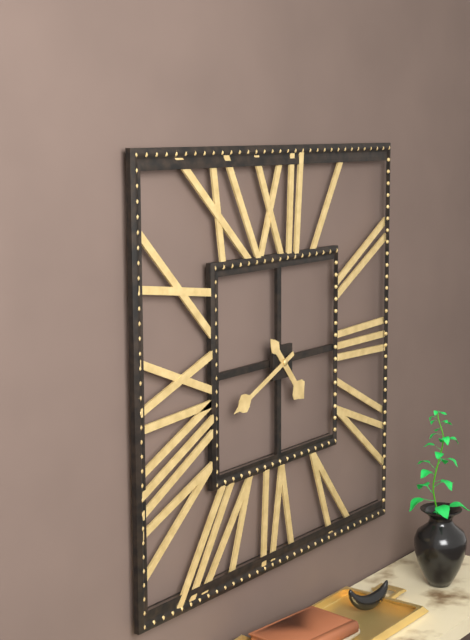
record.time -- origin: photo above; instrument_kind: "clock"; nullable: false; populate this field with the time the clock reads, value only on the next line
4:41
